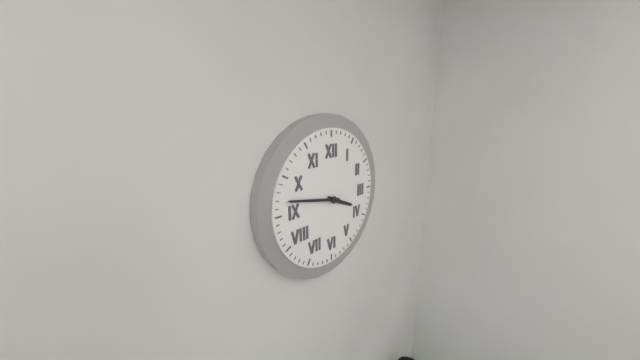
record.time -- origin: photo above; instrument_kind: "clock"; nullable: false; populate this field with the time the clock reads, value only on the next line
3:47
